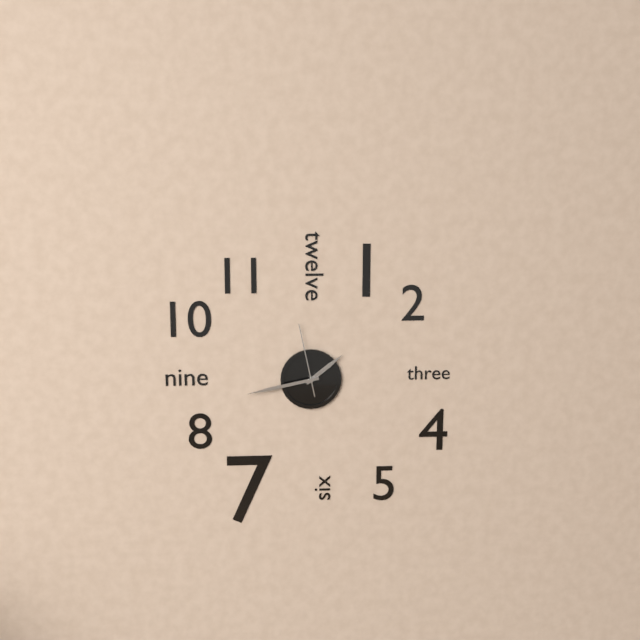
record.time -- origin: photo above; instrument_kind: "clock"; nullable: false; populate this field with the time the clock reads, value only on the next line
1:43:58
